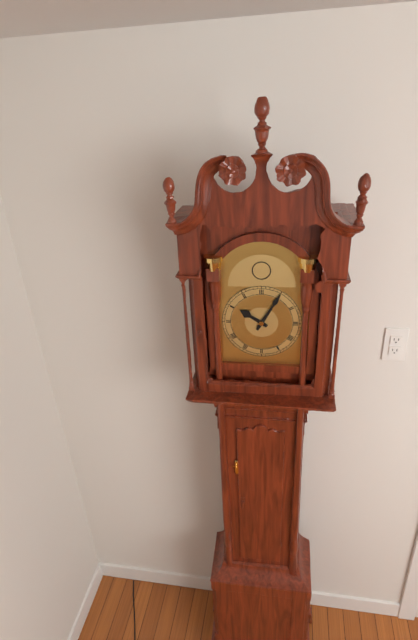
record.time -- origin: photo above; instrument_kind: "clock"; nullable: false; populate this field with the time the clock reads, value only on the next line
10:05
